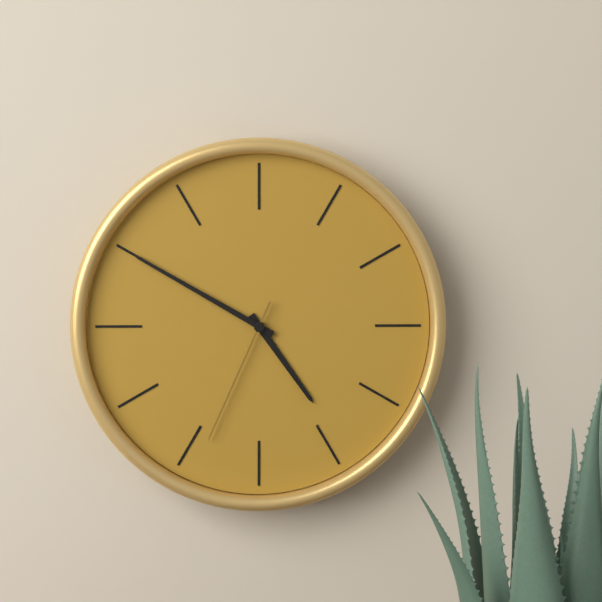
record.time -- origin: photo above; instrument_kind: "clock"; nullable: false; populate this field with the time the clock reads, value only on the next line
4:50:34
